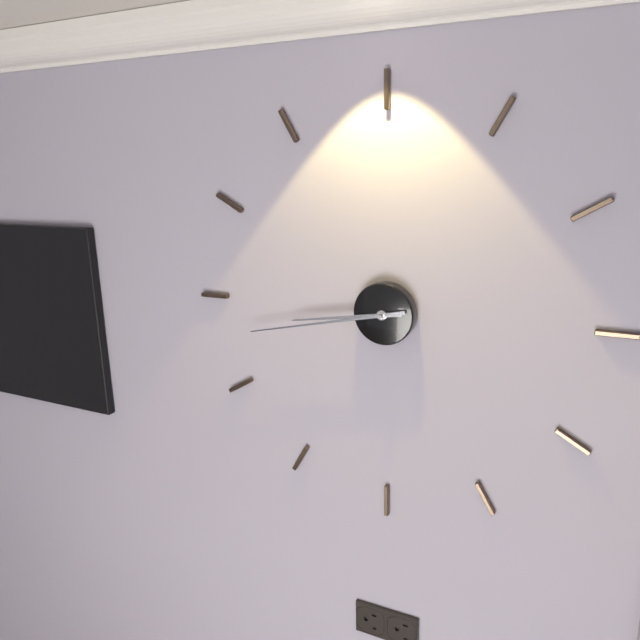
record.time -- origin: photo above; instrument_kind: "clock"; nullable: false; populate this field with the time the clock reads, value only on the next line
8:43
